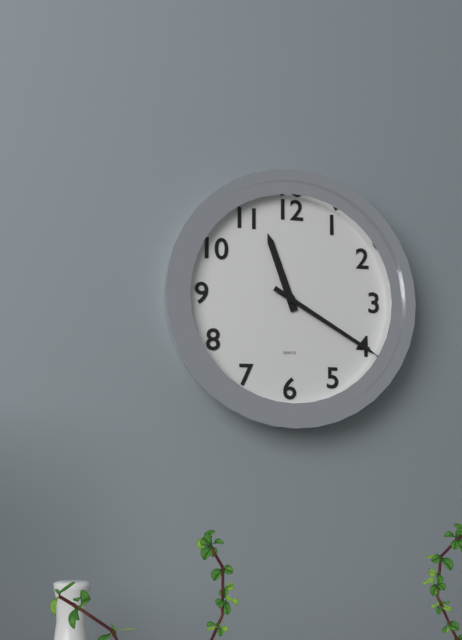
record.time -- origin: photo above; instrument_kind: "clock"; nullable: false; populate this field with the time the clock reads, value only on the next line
11:20
